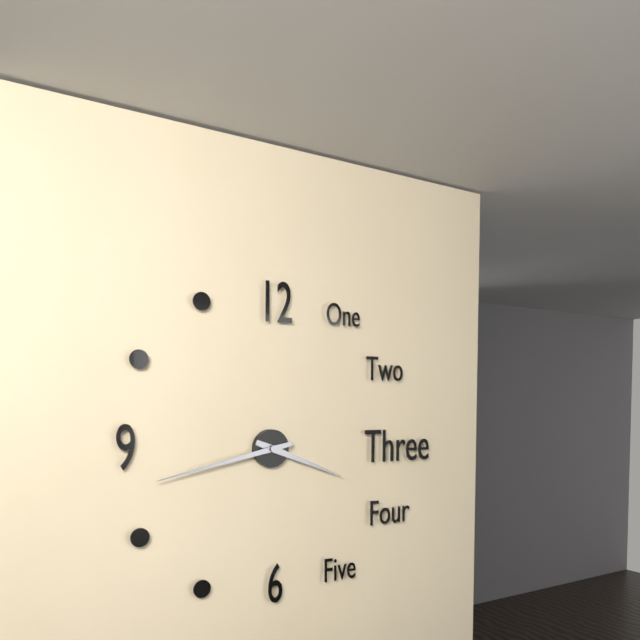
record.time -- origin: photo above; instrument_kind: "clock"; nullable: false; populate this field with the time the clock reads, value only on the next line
3:43
